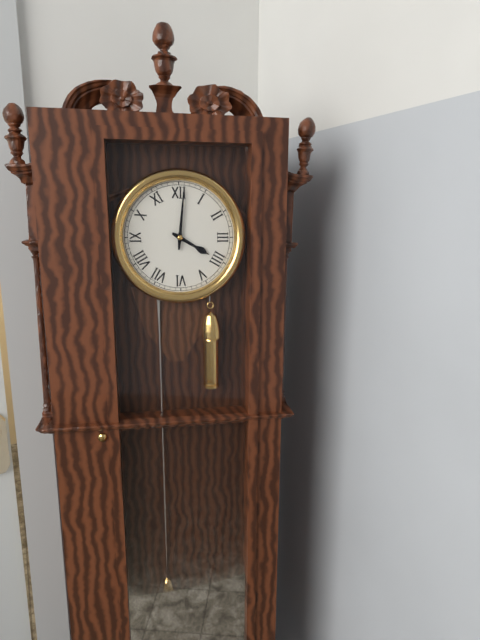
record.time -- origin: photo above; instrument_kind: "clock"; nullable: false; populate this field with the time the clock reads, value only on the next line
4:01
